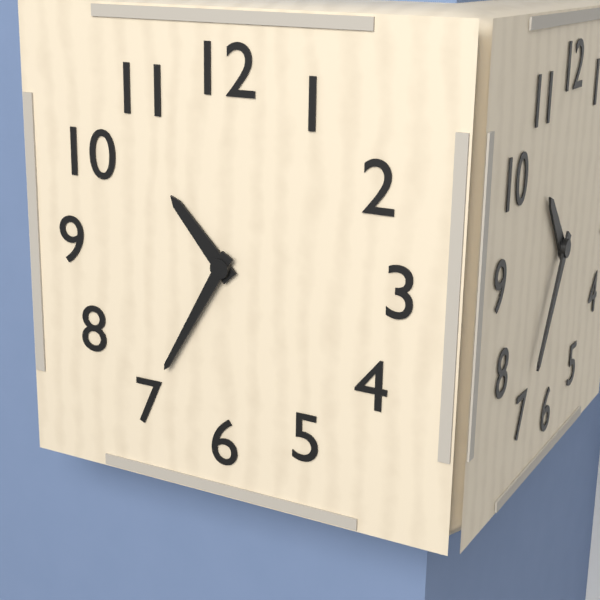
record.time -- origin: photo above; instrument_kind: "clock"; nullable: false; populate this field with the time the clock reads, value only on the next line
10:35
